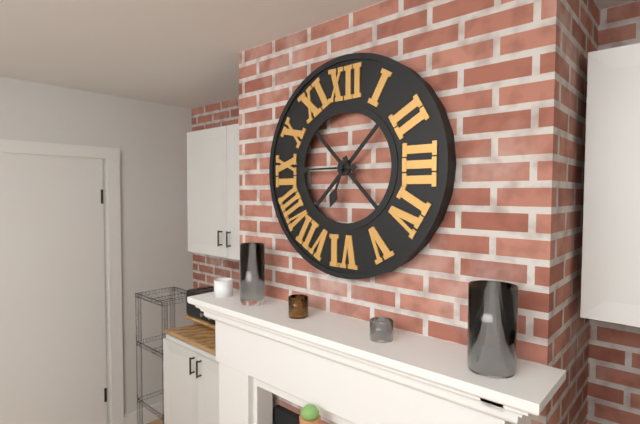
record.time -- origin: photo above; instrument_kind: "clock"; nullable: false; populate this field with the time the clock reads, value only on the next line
6:45
